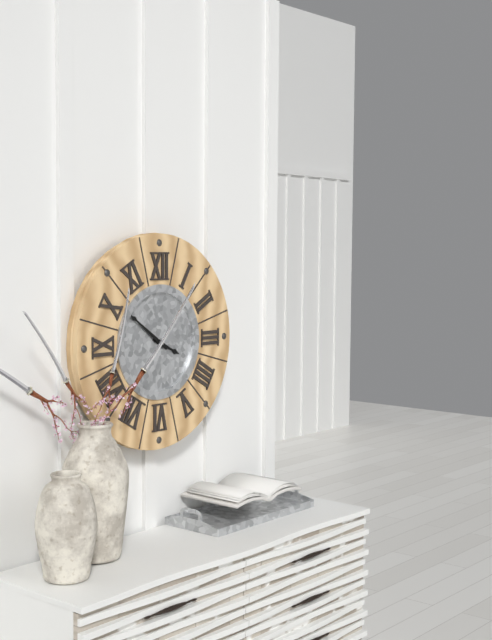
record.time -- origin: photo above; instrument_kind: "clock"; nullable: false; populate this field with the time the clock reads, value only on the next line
3:51
